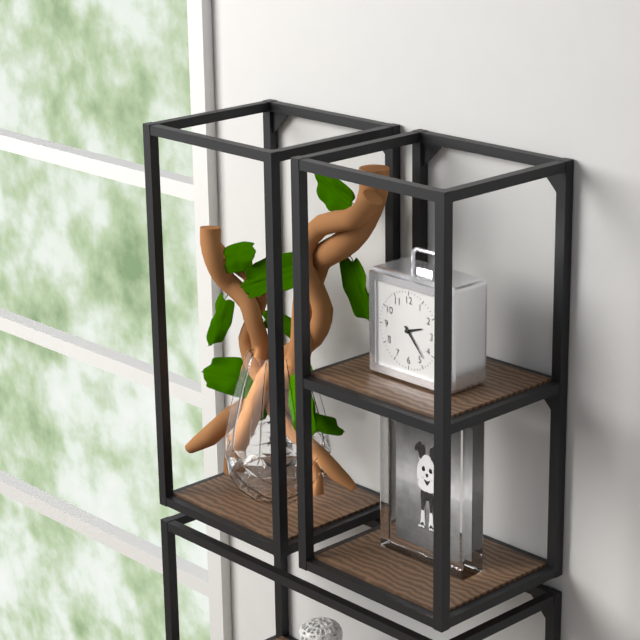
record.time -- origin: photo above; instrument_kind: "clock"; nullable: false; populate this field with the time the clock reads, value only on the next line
2:23
